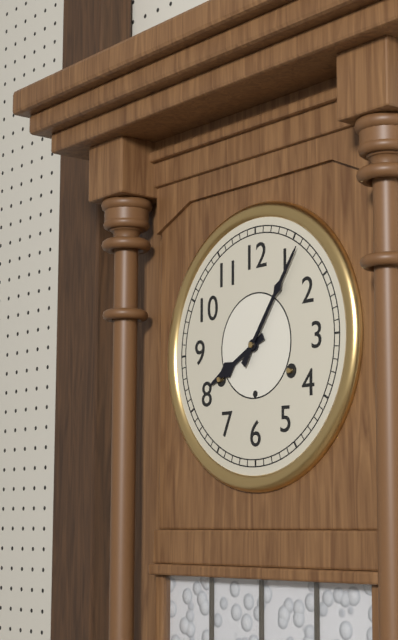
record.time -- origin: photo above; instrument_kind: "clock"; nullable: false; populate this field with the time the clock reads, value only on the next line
8:06
